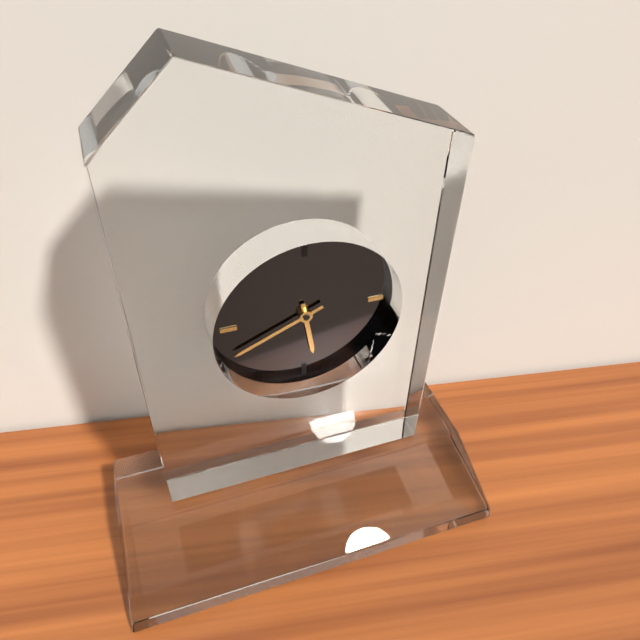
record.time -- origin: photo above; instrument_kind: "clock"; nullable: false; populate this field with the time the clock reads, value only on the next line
5:41
